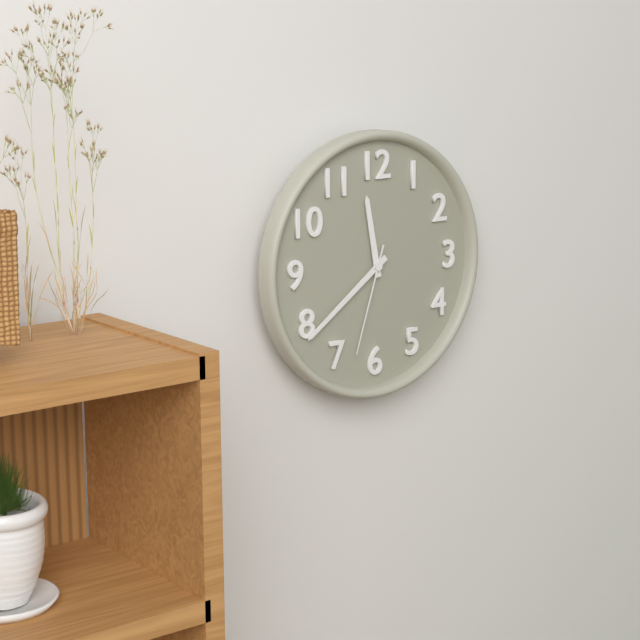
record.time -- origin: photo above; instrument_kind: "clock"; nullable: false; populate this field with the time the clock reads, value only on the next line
11:39:33
